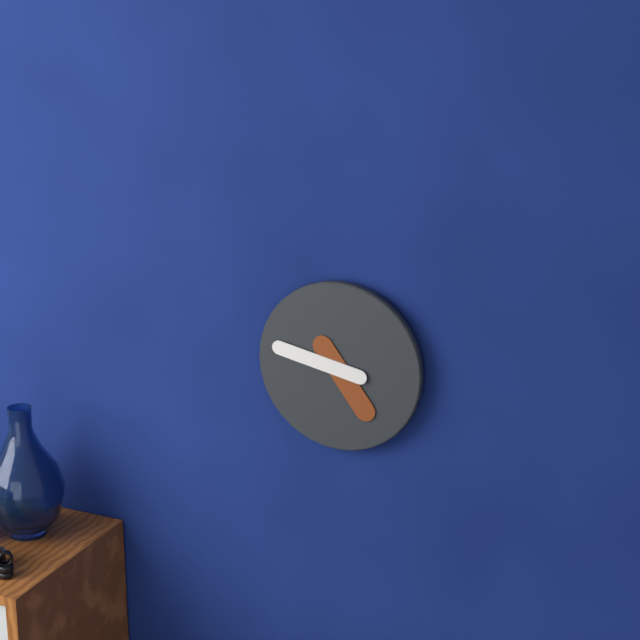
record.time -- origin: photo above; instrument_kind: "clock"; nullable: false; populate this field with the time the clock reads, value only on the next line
4:47
